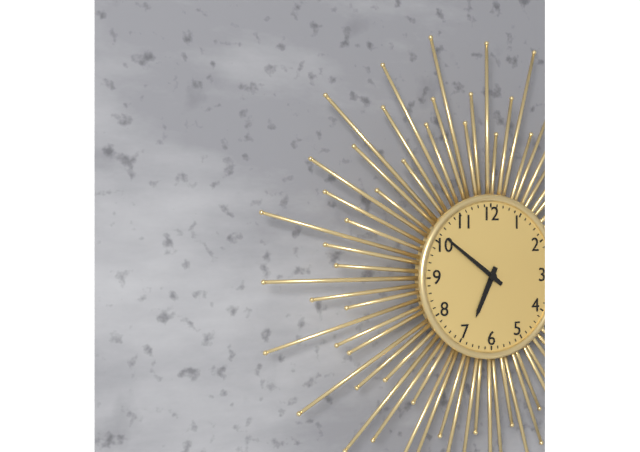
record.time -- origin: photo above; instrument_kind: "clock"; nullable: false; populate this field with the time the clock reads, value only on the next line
6:51
